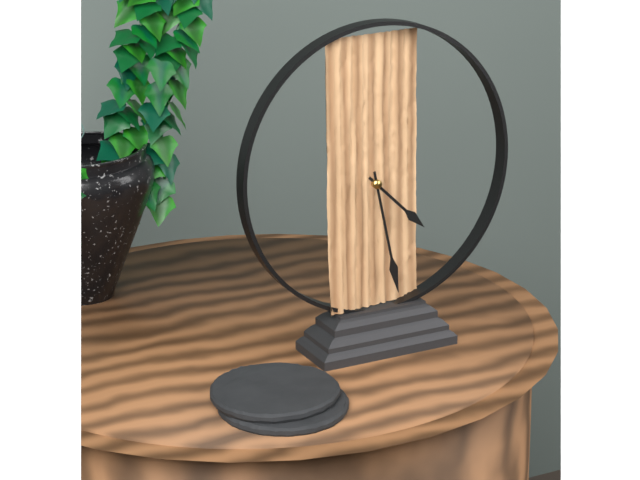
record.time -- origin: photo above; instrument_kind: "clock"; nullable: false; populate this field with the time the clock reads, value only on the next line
4:28
